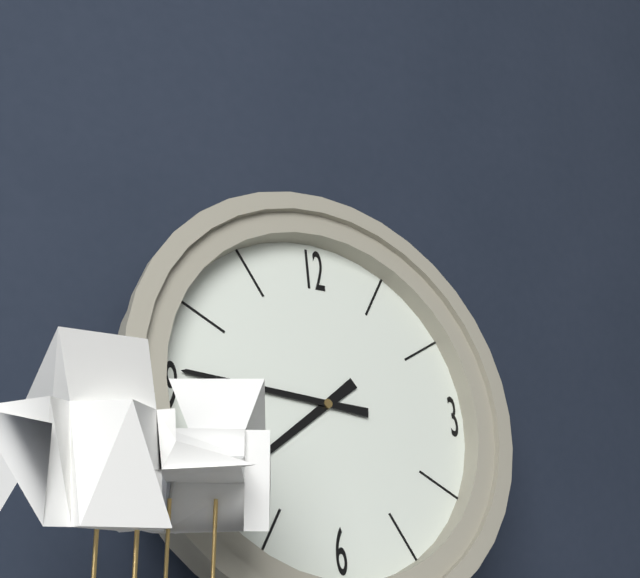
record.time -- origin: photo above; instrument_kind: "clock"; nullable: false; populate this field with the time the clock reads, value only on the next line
7:46
